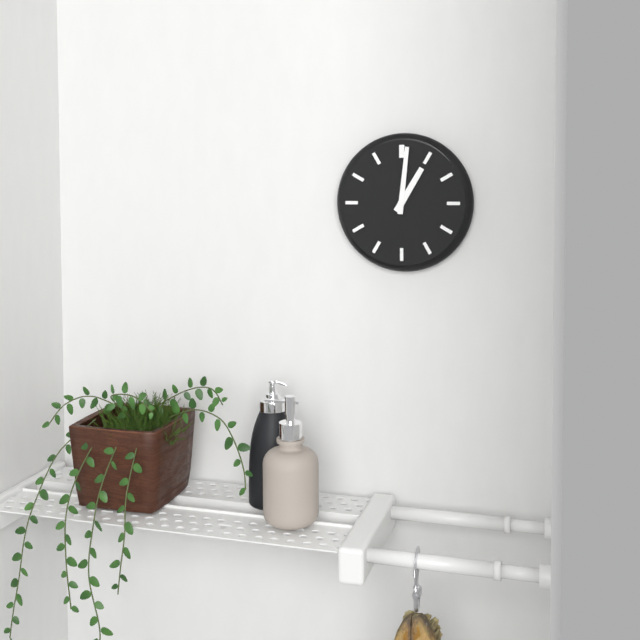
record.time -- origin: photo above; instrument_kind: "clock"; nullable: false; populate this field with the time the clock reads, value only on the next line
1:01
